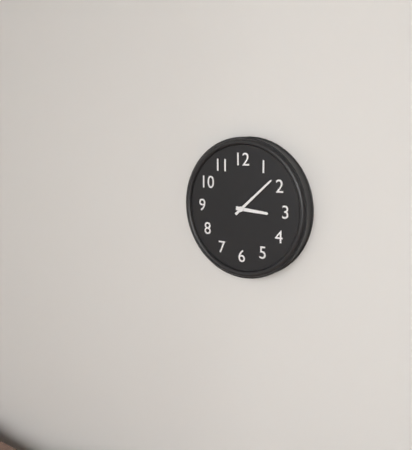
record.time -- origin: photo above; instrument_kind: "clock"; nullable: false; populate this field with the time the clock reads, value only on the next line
3:08
